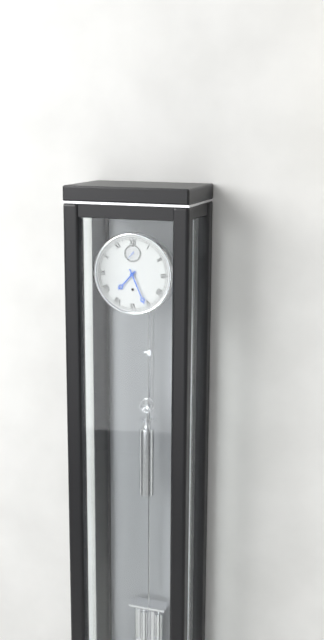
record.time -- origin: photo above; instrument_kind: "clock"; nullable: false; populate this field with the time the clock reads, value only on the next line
7:26
